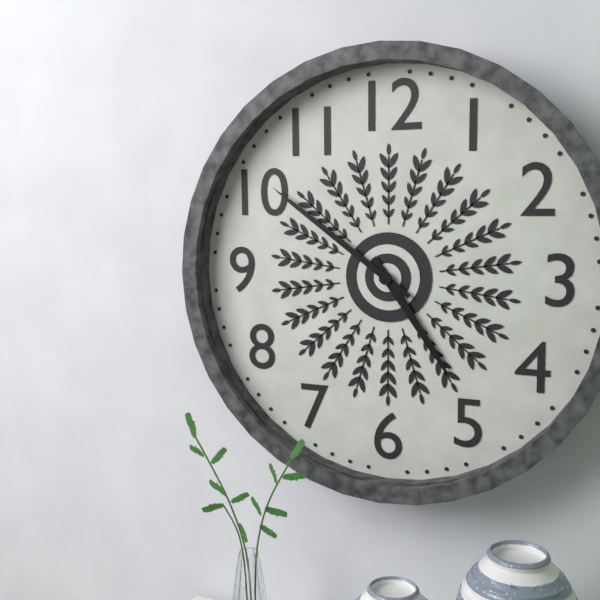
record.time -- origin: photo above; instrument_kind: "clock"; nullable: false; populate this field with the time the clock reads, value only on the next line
4:51
